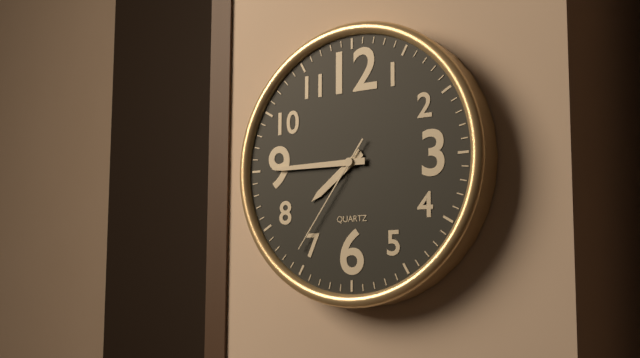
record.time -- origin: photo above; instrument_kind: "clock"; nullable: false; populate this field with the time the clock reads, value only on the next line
7:45:36
